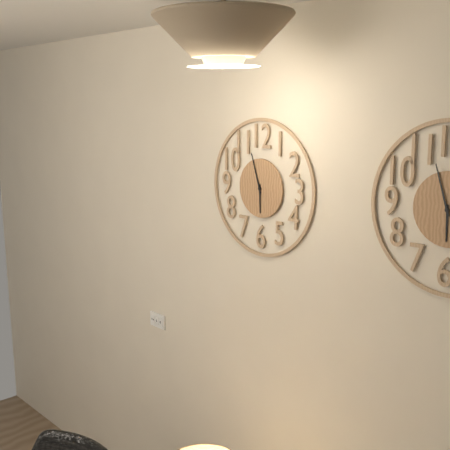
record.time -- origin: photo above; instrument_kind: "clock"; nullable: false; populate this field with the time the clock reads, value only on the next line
5:57
